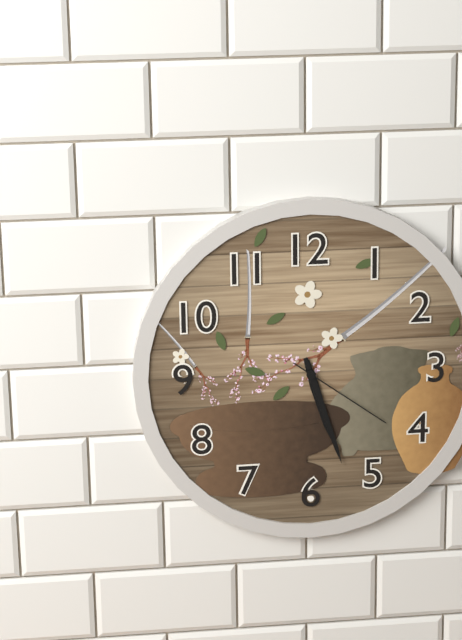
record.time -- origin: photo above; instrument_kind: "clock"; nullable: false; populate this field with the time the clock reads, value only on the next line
5:27:21
